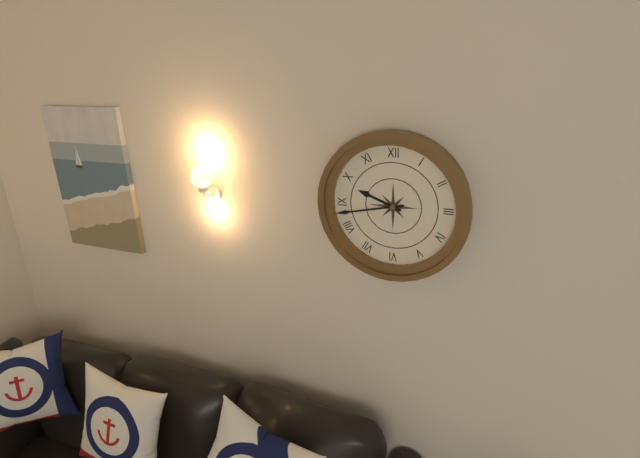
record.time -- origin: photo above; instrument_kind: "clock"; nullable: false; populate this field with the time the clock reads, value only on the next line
9:43
